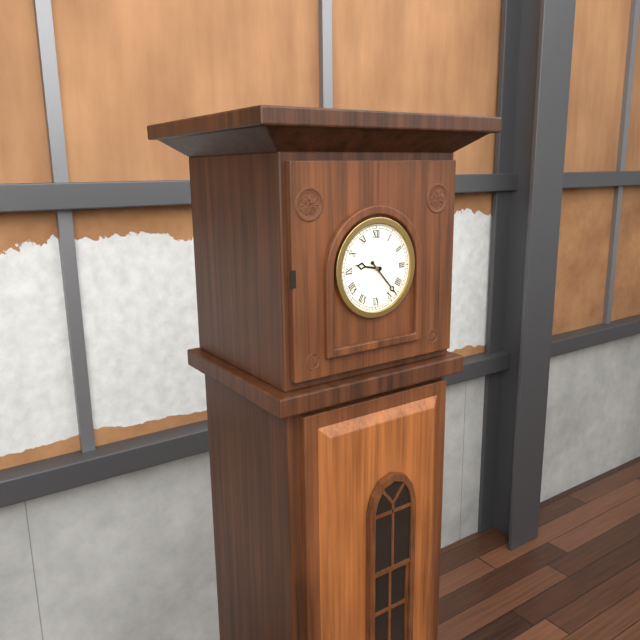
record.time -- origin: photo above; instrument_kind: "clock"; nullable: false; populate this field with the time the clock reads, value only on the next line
9:23
